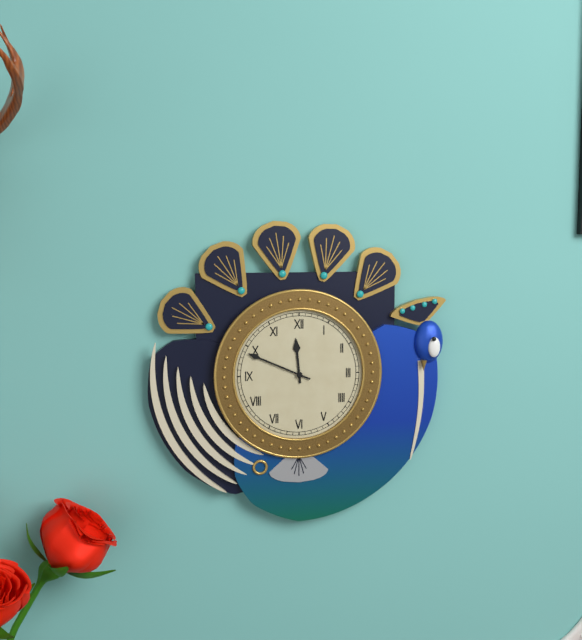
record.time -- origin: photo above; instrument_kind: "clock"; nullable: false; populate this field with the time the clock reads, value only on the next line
11:49
